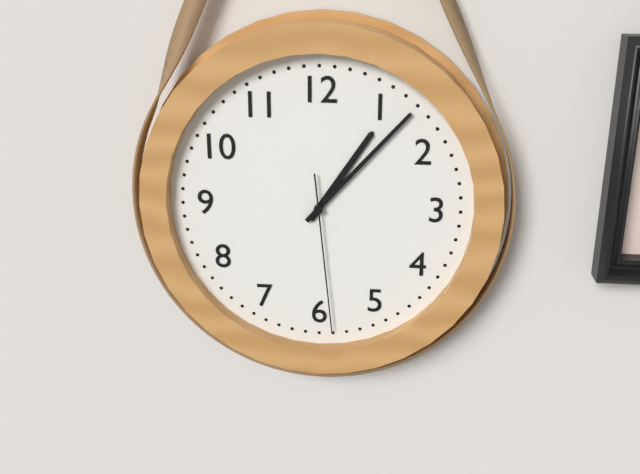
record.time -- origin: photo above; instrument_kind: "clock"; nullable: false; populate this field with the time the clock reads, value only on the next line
1:07:29
